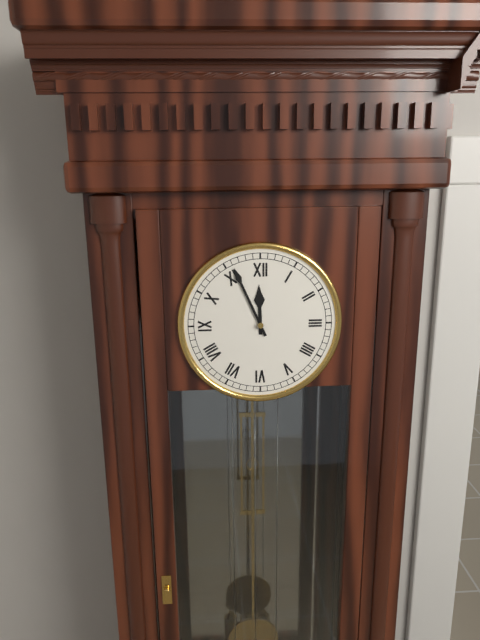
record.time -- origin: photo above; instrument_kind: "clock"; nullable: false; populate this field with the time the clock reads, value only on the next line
11:56
